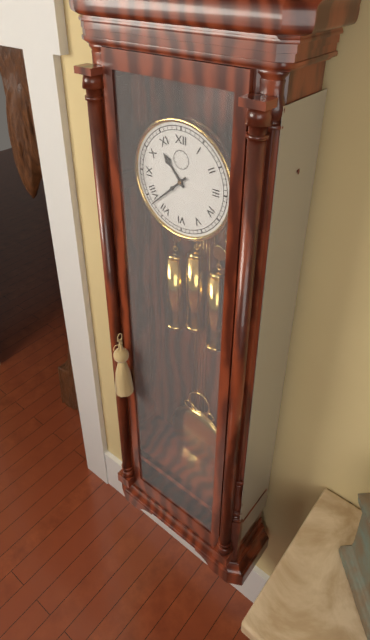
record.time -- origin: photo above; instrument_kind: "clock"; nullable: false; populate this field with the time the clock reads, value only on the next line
10:38
